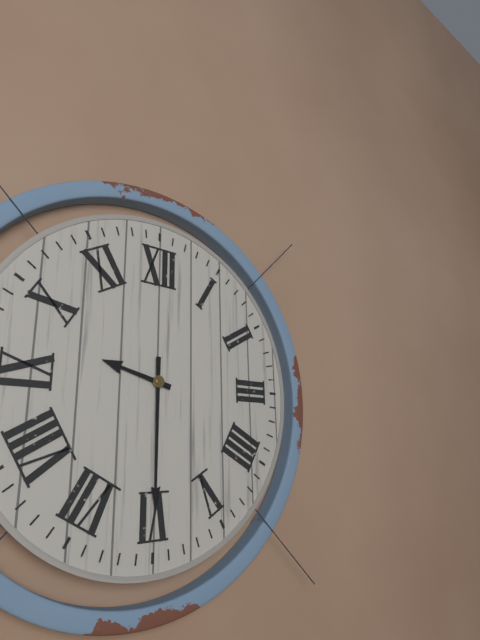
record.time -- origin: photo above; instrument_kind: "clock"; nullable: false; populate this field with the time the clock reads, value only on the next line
9:30
